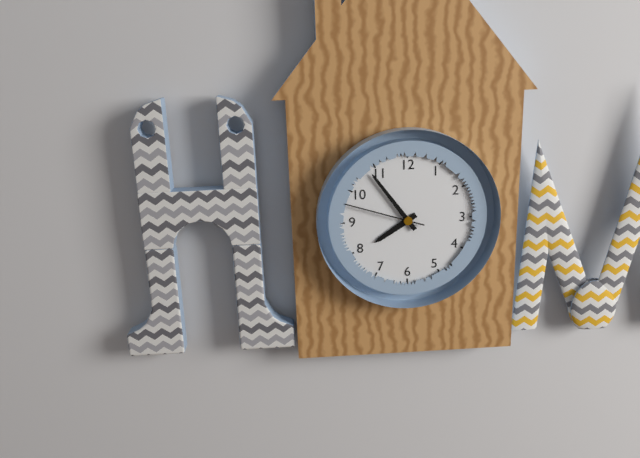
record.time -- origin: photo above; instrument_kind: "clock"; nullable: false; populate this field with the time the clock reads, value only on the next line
7:54:48
